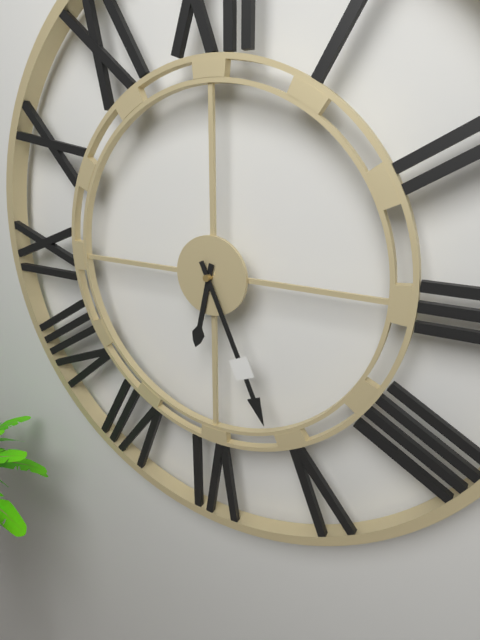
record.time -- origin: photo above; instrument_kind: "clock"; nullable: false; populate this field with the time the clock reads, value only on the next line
6:26
